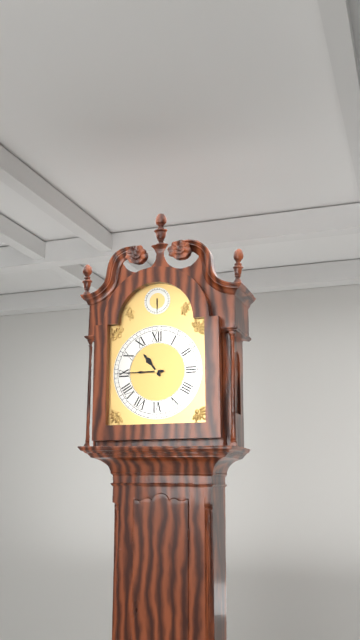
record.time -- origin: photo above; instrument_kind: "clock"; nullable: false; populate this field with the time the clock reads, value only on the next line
10:45
